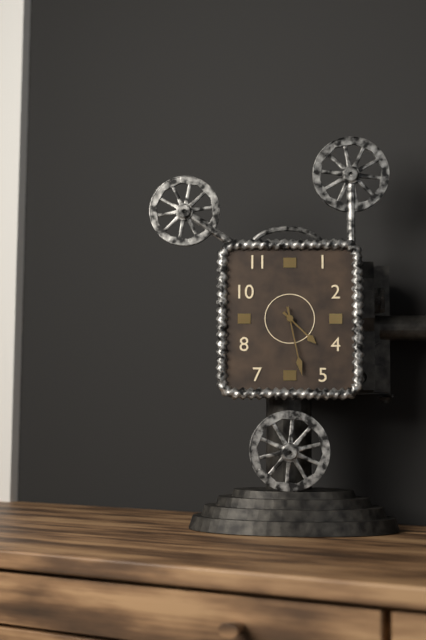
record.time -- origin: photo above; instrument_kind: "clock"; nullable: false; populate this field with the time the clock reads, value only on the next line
4:28
